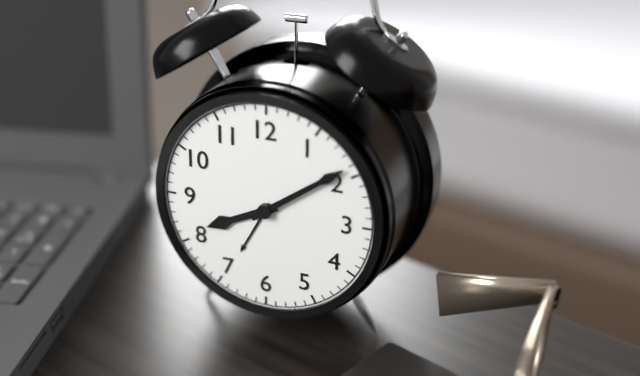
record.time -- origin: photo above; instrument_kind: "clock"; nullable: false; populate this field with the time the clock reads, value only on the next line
8:09
